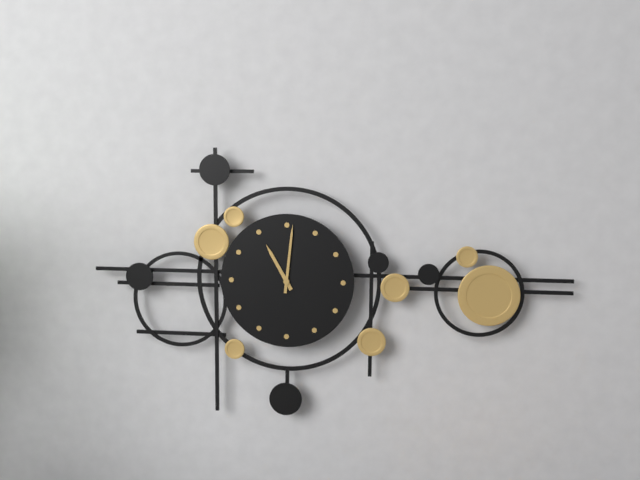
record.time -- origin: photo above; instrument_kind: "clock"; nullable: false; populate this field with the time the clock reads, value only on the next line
11:01
